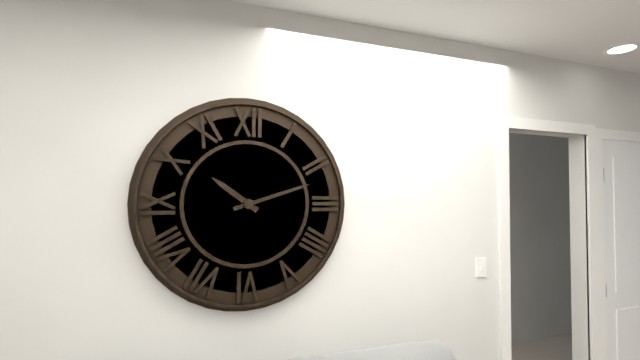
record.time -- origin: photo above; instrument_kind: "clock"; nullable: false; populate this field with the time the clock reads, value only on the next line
10:12
